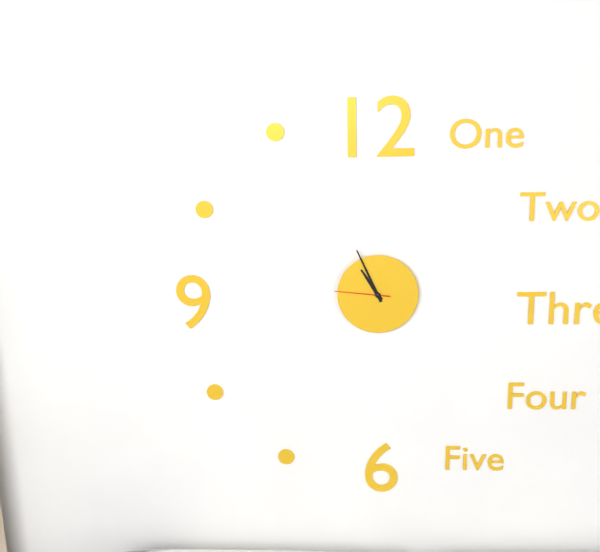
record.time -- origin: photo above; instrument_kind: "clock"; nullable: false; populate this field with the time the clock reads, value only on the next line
10:56:46
